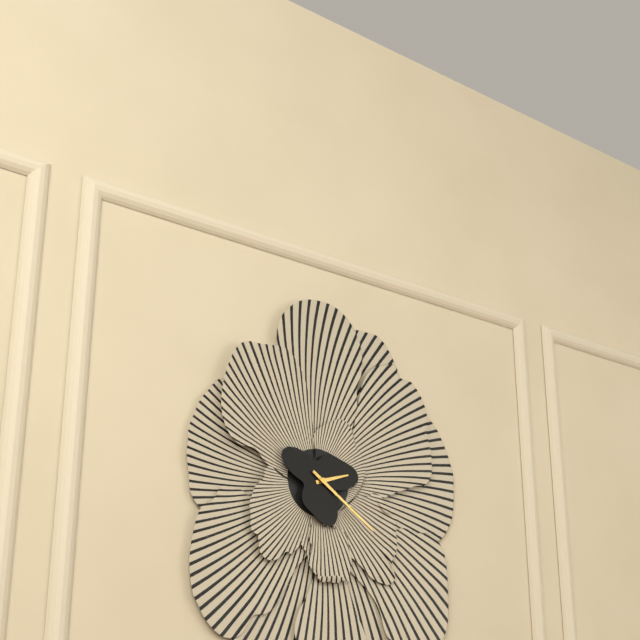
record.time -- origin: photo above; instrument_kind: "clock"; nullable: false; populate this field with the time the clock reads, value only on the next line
2:21
